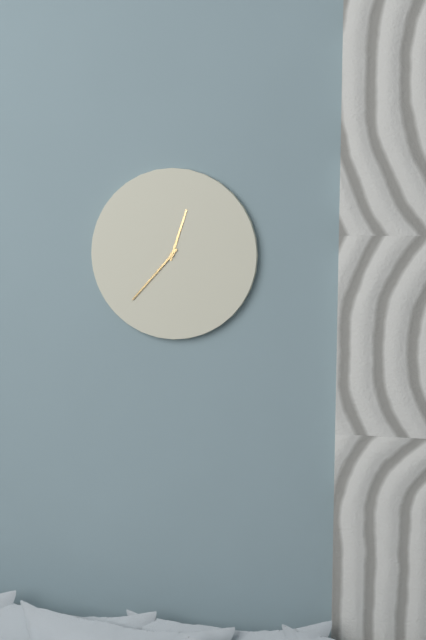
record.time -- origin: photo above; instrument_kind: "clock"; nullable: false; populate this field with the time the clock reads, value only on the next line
12:37
